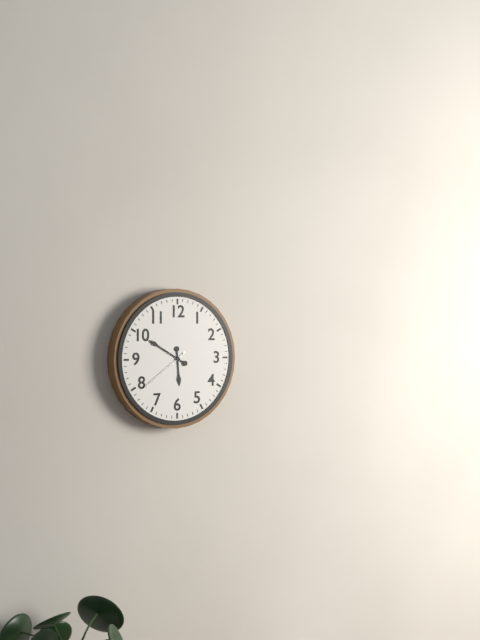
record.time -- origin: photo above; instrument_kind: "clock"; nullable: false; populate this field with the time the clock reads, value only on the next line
5:50:39
